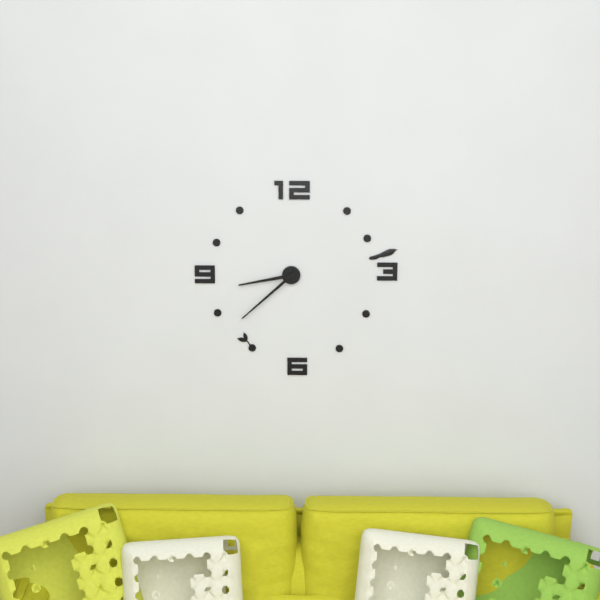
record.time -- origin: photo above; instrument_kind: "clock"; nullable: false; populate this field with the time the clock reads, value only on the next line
8:38
